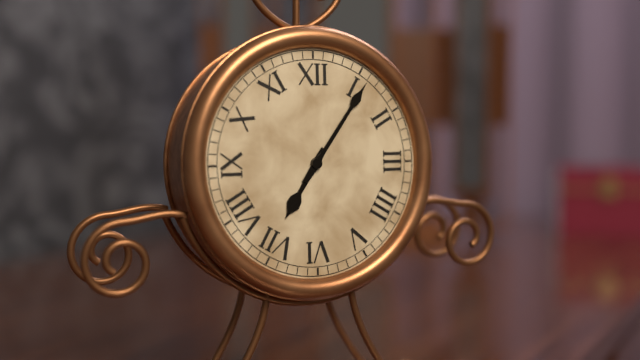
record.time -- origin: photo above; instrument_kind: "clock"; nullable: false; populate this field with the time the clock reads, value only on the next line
7:06
